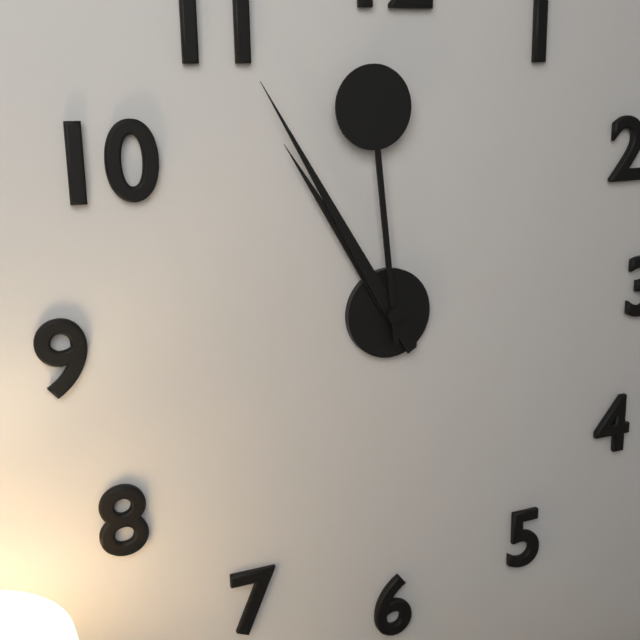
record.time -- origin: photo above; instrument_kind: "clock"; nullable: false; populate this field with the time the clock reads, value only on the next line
10:55:59
